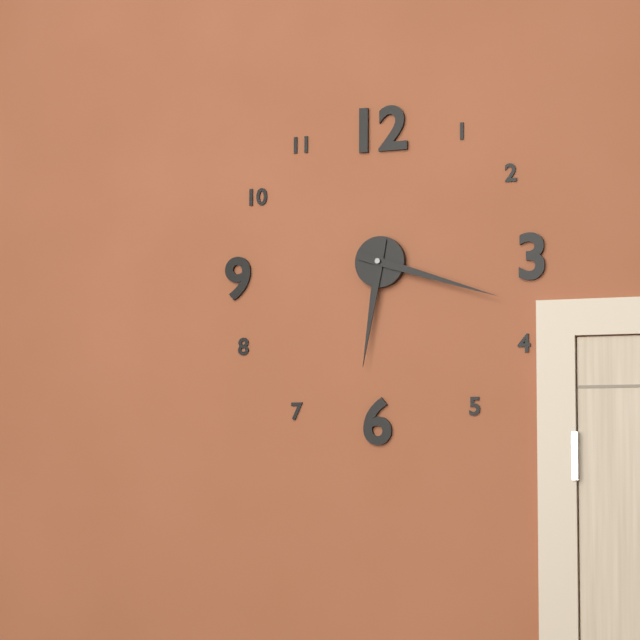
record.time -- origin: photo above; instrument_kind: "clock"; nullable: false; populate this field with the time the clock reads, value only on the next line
6:18
